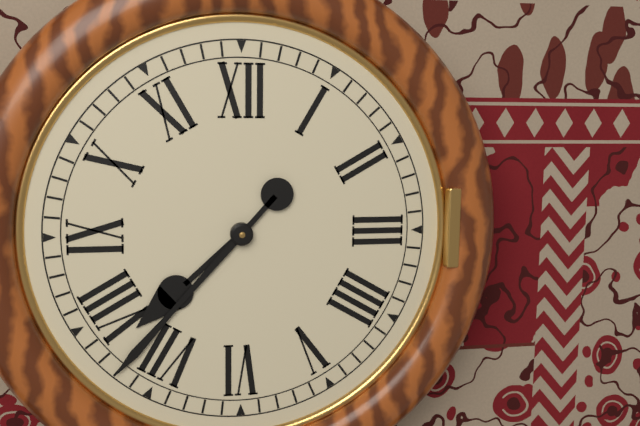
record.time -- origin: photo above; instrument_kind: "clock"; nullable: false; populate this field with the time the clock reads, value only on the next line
7:37
